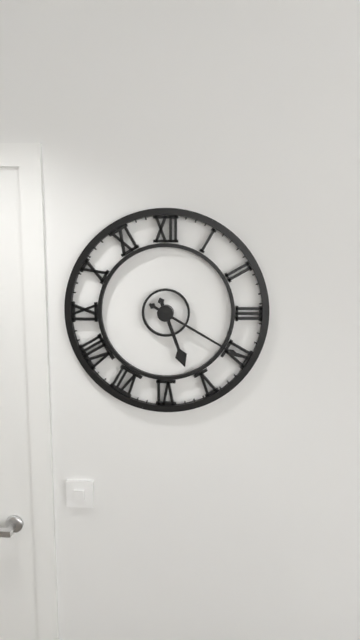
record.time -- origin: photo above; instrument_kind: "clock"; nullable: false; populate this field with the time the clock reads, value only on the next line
5:20
